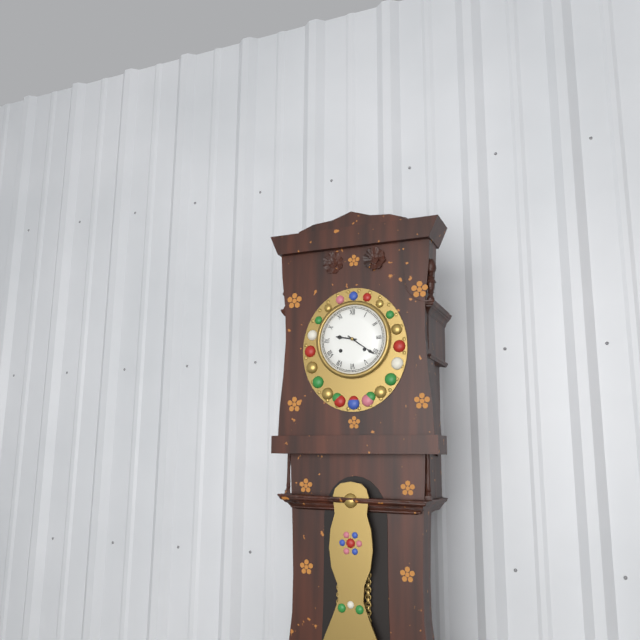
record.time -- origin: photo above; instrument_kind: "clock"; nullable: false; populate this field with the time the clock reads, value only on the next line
9:21
